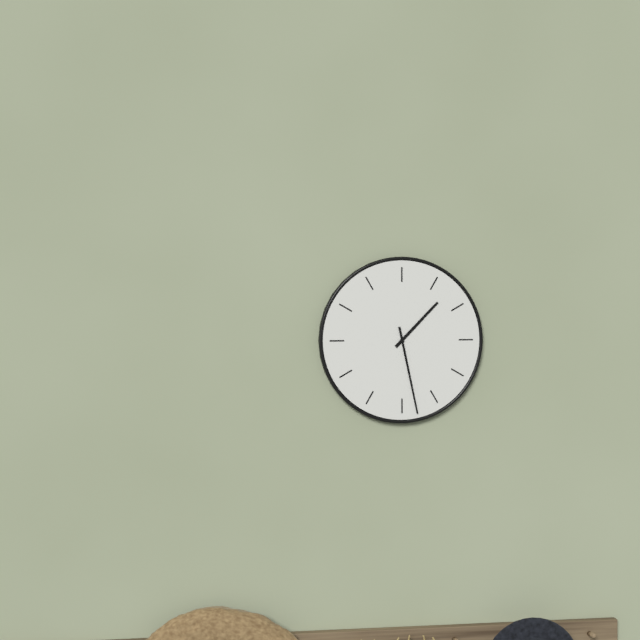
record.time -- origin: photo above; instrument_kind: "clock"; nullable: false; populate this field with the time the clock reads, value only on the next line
1:28
